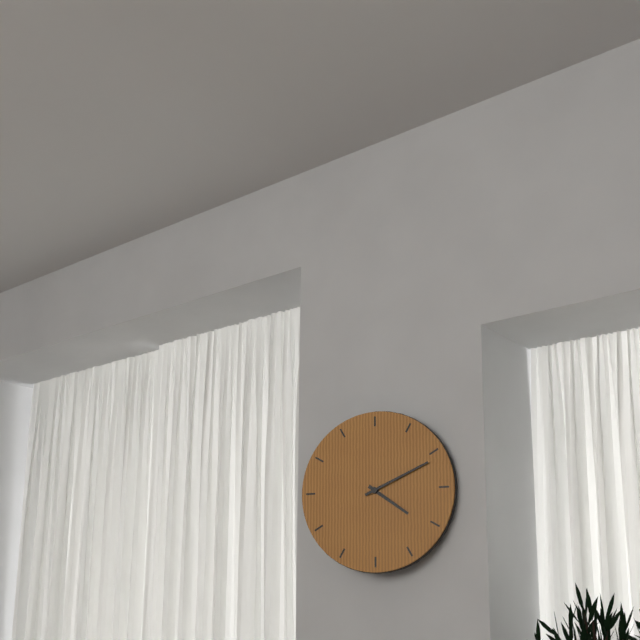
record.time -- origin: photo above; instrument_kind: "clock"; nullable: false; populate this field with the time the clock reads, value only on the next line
4:11
